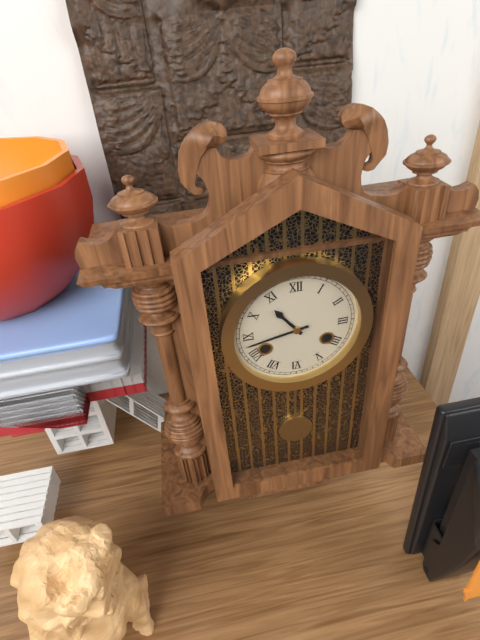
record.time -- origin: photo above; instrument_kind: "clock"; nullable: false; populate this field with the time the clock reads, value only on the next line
10:43
